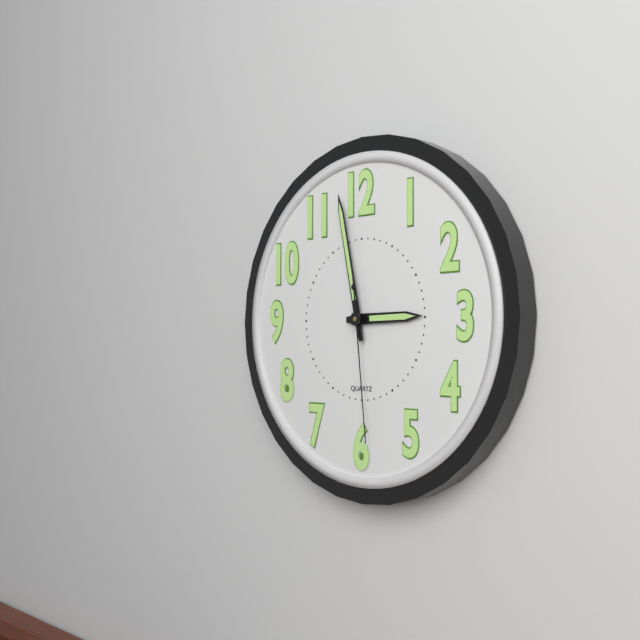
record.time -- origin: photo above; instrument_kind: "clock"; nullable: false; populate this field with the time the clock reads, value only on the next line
2:58:29
